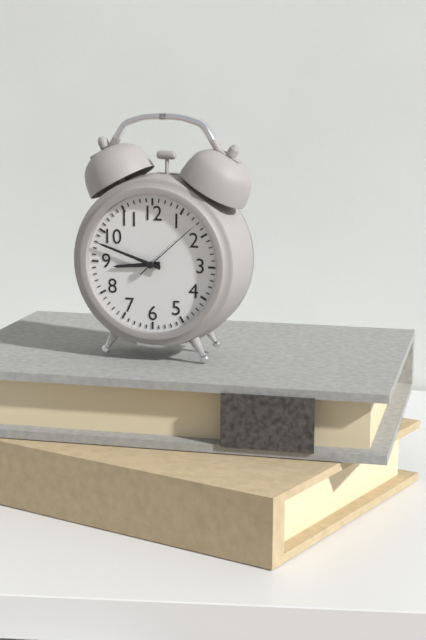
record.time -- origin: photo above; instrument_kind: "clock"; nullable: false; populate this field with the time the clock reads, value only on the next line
8:48:08
